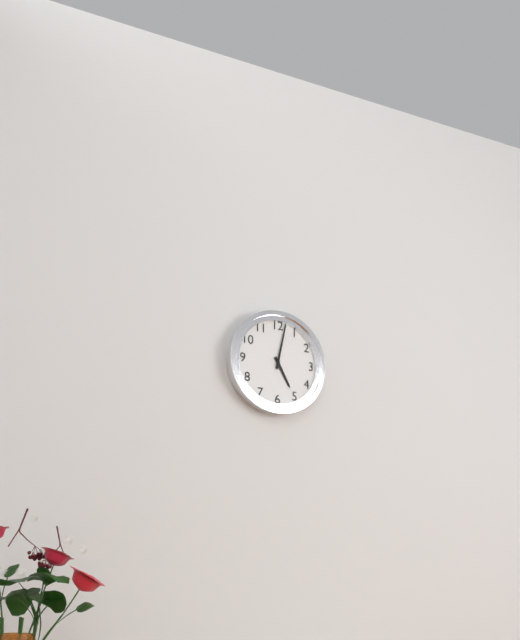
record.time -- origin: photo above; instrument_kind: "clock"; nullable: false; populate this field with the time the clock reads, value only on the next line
5:02
